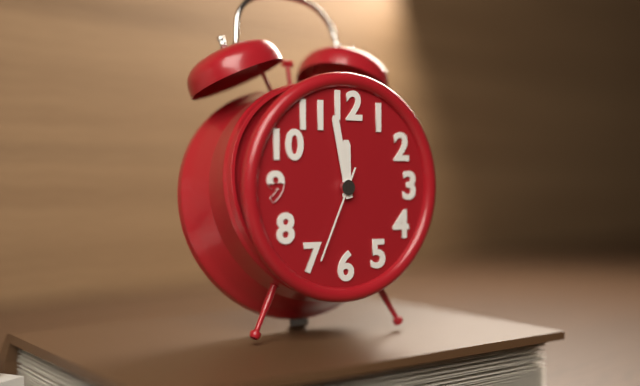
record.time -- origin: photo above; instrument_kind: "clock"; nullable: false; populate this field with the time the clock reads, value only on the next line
11:58:34
